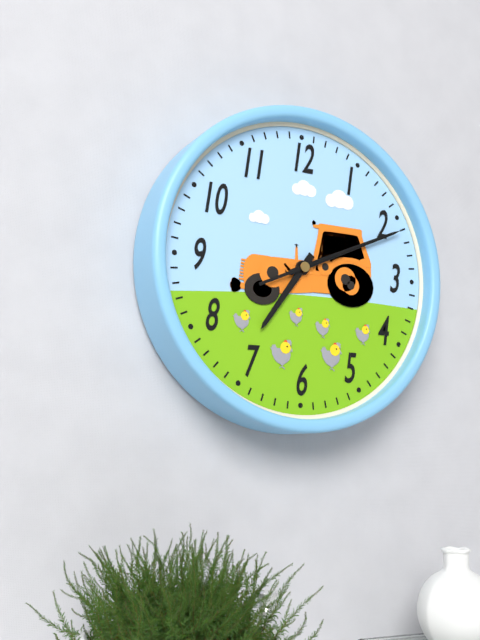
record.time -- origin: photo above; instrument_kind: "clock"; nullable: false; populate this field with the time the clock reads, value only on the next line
7:11:11
